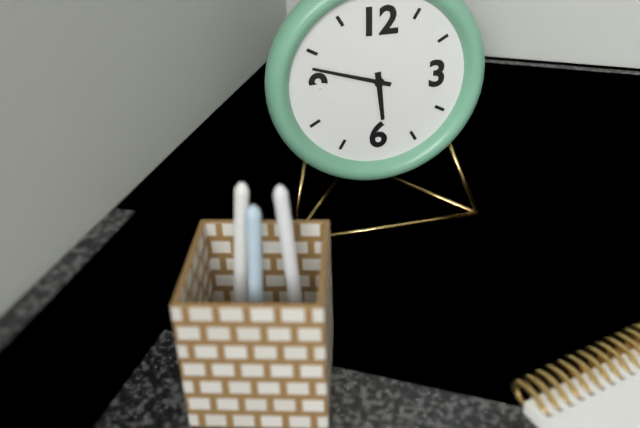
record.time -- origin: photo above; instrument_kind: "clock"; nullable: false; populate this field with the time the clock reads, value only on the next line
5:48
